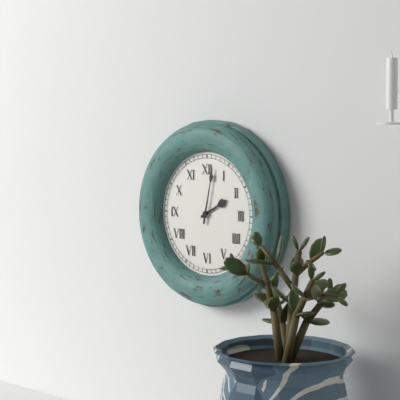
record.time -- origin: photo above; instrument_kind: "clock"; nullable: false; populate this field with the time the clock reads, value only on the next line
2:02
